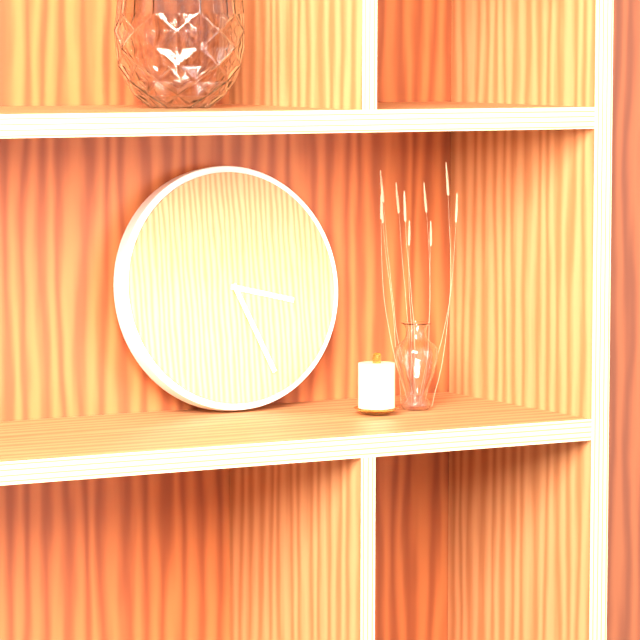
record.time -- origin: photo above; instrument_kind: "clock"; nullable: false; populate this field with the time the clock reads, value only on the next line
3:26
